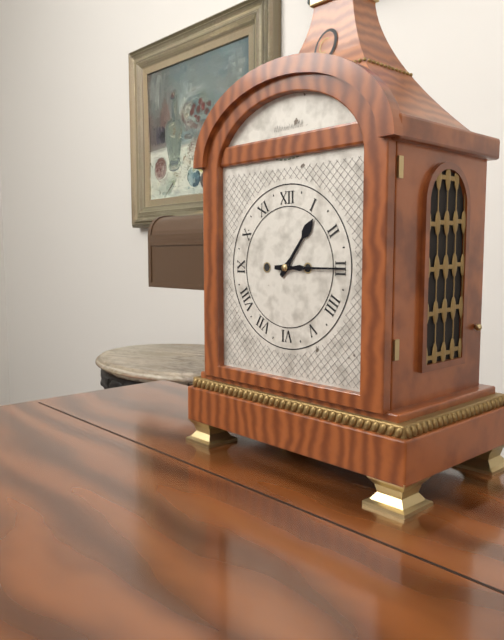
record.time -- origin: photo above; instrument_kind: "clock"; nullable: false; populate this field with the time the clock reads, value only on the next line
1:15
